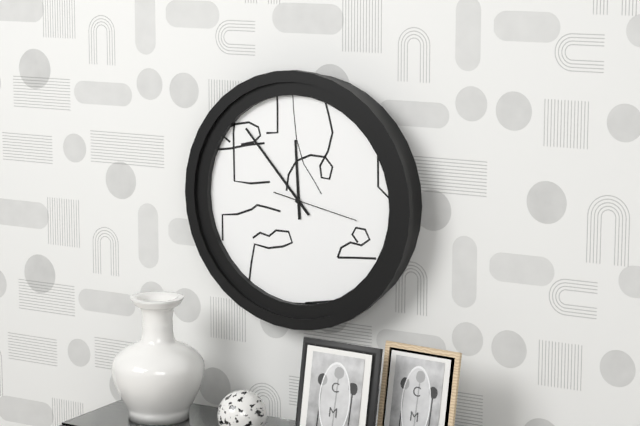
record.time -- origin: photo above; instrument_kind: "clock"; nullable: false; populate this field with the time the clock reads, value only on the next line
11:53:17
